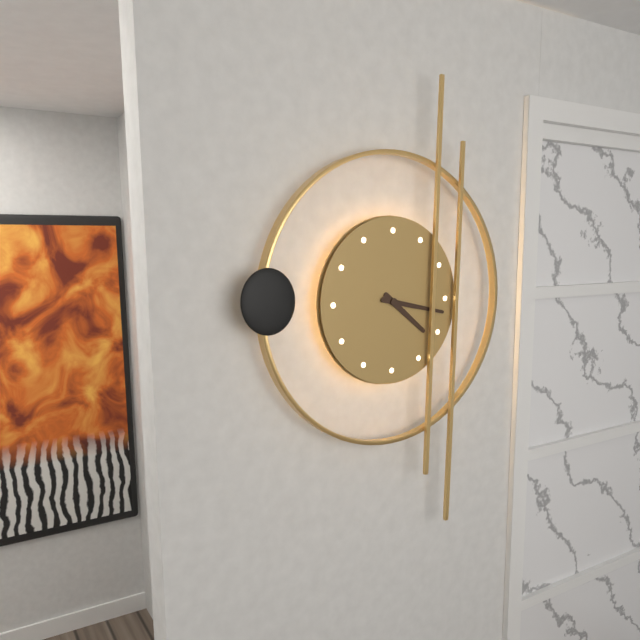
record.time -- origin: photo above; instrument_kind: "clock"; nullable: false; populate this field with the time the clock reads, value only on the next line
4:17
